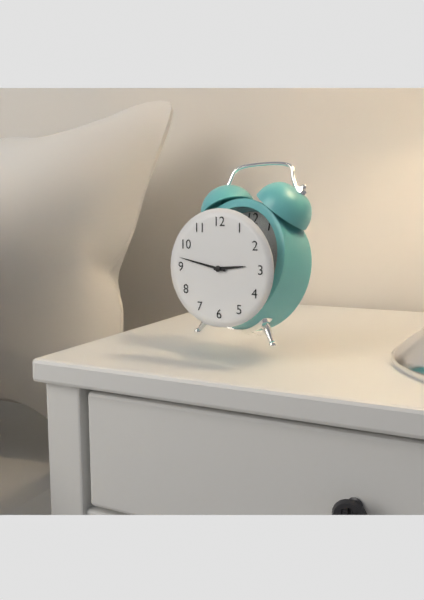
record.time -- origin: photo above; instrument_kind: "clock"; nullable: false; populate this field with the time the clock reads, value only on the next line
2:47
